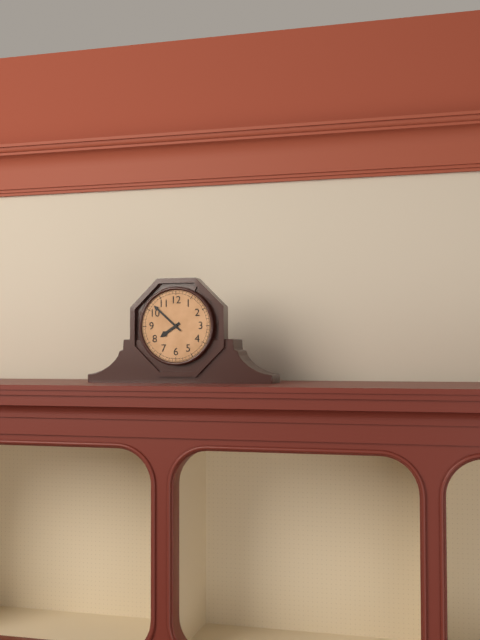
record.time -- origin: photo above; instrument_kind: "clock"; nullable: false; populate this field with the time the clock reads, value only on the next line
7:52
